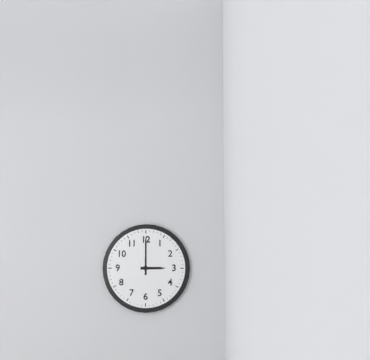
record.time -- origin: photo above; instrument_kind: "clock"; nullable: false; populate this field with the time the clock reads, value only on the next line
3:00
